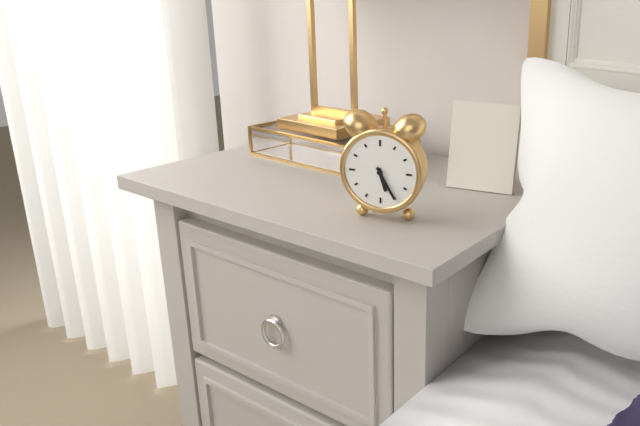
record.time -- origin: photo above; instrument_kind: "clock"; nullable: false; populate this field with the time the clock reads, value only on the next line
5:25
